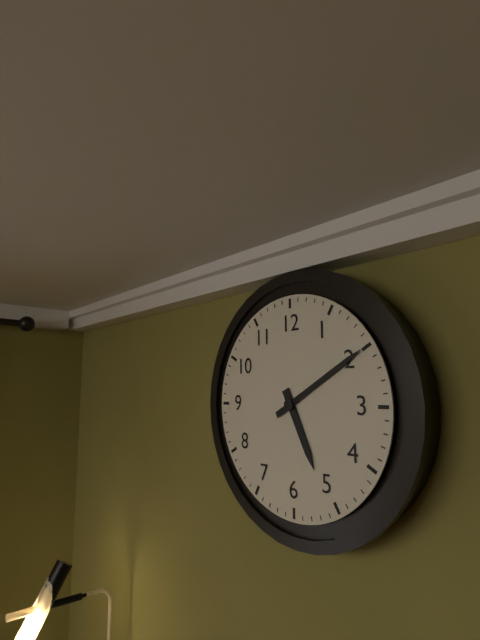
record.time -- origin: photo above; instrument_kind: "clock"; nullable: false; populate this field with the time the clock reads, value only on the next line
5:10
